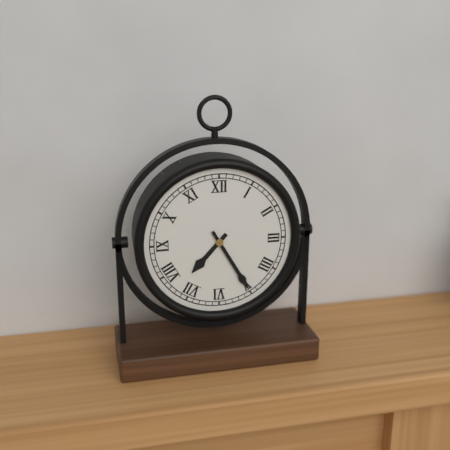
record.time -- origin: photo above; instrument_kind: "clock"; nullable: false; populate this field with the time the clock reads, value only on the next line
7:25
